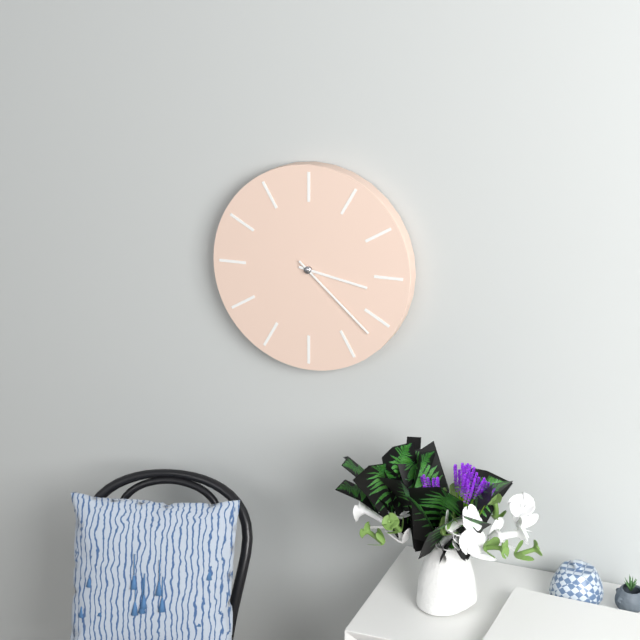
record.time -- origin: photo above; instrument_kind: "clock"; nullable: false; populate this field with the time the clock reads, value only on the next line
3:22
